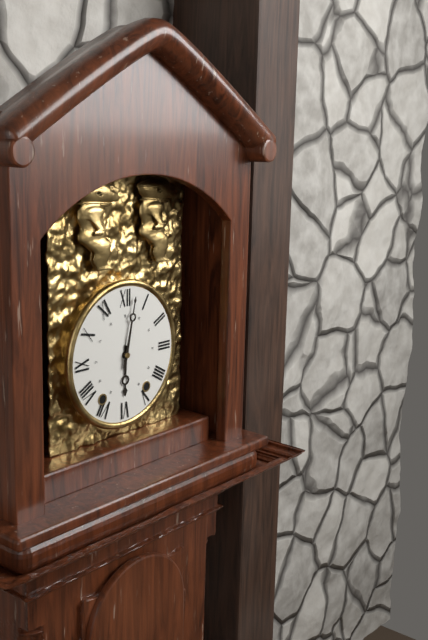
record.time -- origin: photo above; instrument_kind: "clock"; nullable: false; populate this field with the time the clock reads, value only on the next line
6:02
